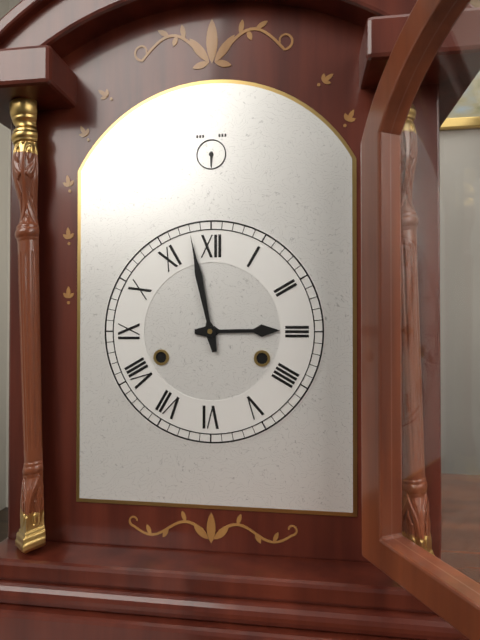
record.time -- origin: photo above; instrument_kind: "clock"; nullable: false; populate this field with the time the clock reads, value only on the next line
2:58
